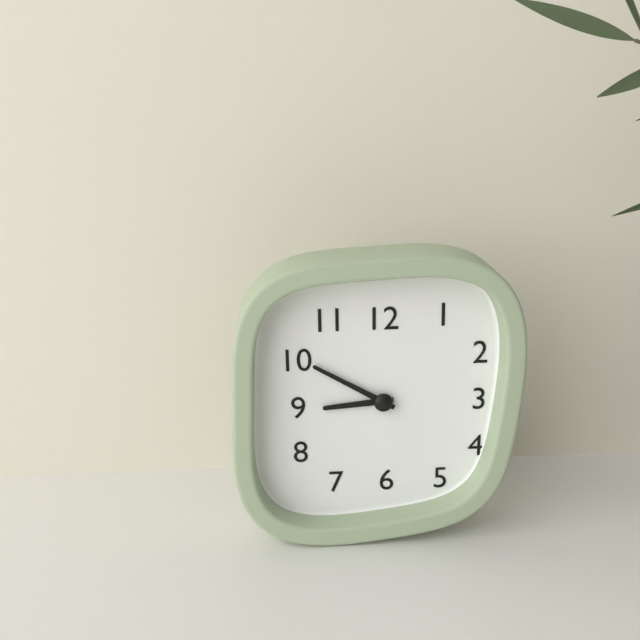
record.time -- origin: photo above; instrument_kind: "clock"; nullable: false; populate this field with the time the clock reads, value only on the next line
8:50
